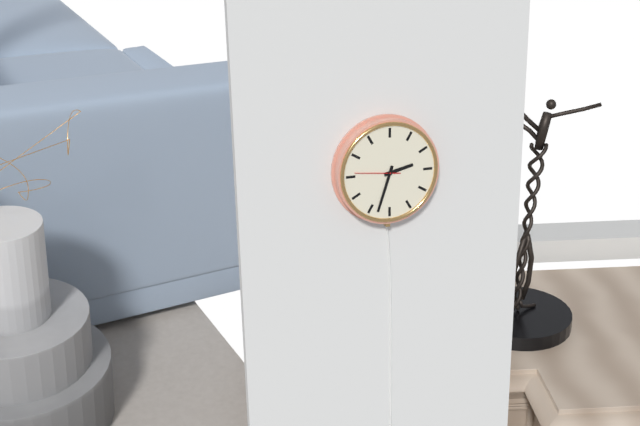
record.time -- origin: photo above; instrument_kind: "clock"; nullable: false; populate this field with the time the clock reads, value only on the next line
2:33
